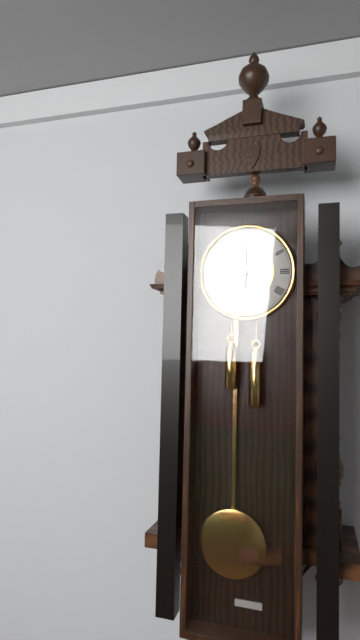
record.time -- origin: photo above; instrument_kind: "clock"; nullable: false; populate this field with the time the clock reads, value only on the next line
10:00
